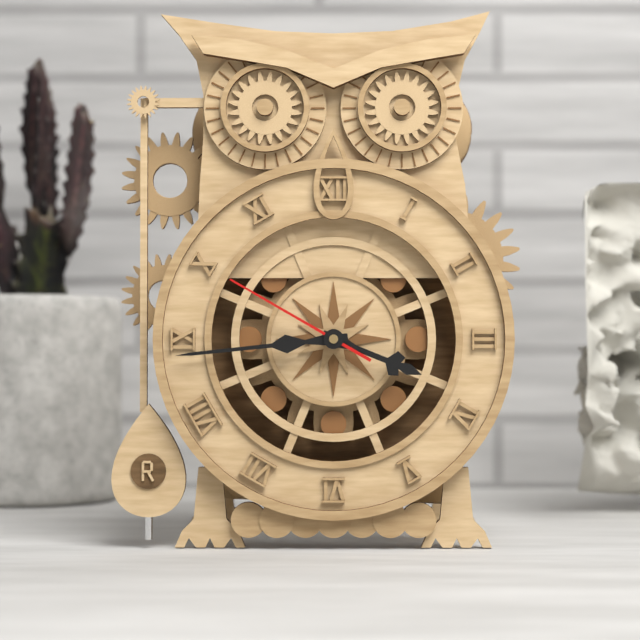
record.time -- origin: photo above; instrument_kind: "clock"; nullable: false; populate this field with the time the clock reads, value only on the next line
3:44:50
